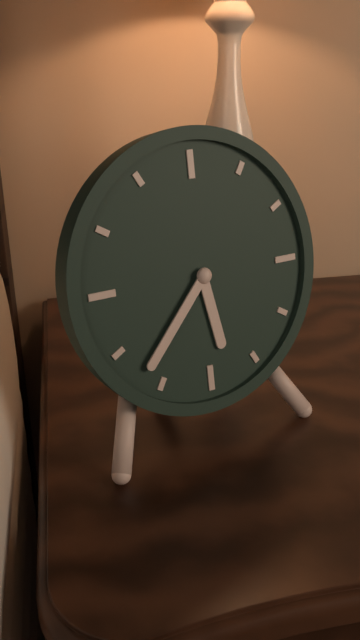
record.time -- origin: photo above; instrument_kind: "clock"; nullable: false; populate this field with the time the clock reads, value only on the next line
5:37
